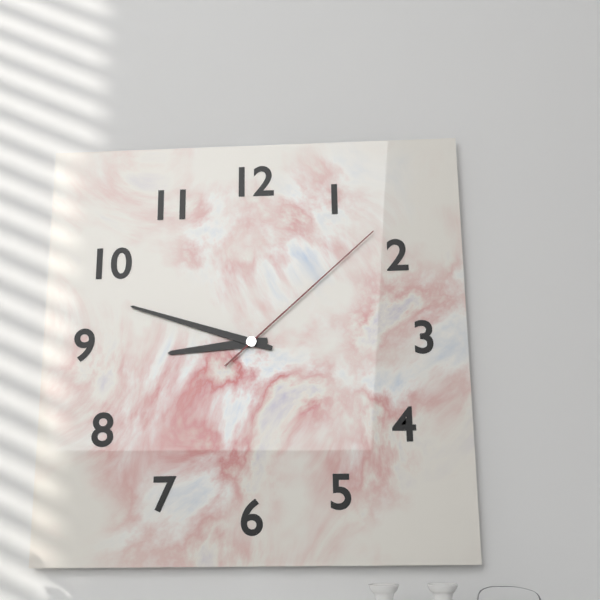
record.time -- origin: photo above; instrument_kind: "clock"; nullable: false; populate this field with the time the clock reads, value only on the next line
8:48:08
